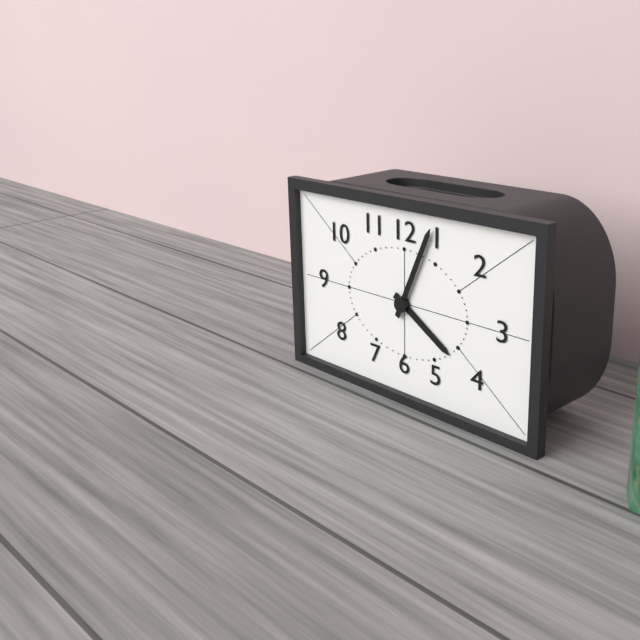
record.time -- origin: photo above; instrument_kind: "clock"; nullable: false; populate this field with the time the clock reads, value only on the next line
4:04
